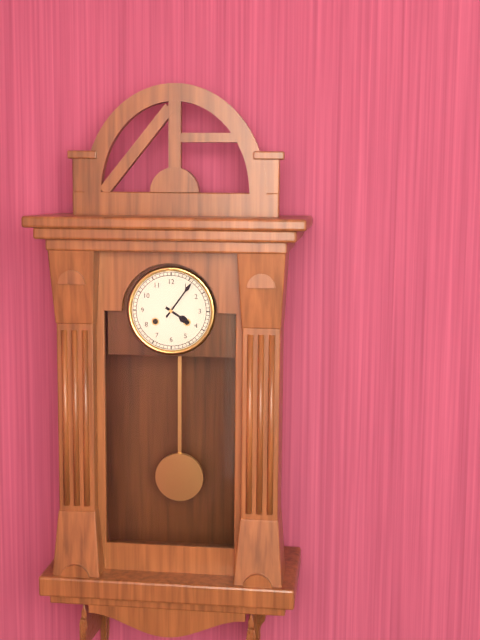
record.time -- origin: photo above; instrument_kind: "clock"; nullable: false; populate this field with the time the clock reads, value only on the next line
4:06
